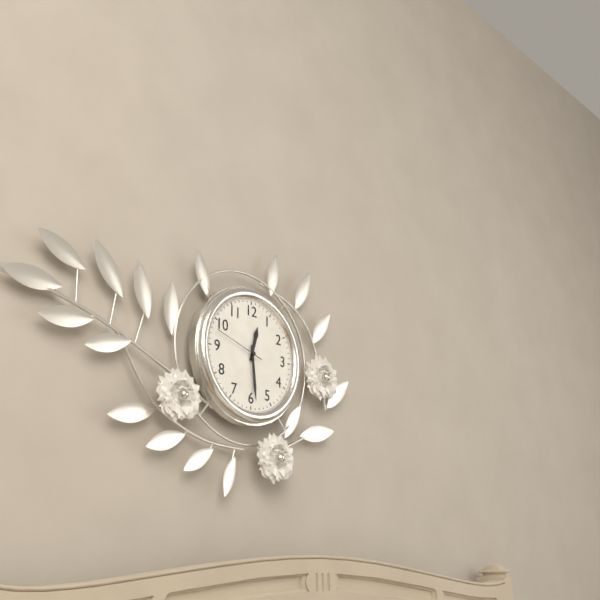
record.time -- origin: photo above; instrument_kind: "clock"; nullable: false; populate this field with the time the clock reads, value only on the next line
12:29:48
